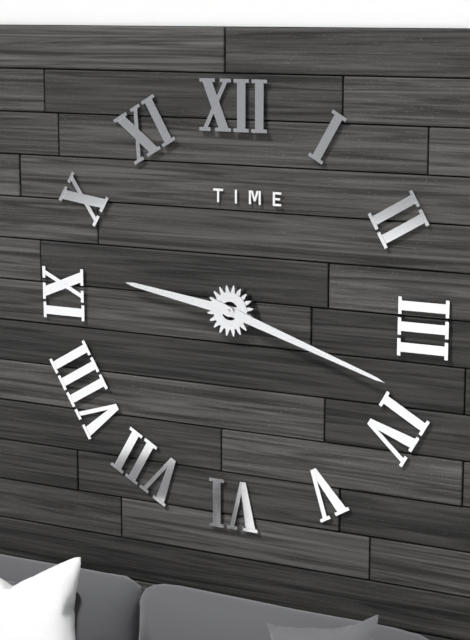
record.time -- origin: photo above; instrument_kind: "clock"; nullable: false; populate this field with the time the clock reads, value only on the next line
9:18
